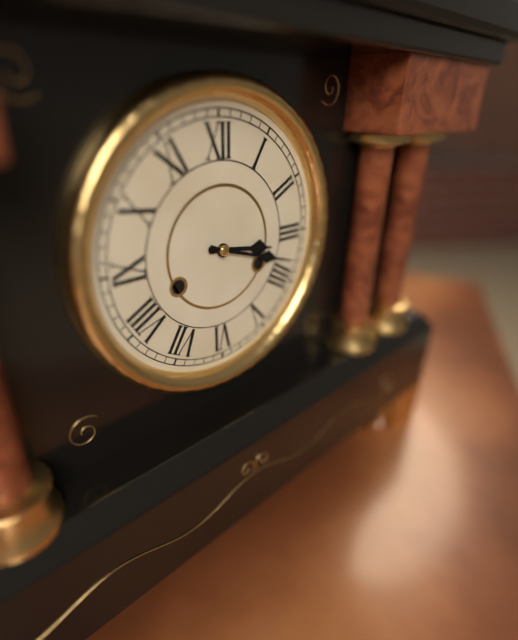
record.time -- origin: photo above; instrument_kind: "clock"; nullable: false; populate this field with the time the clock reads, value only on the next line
3:18
